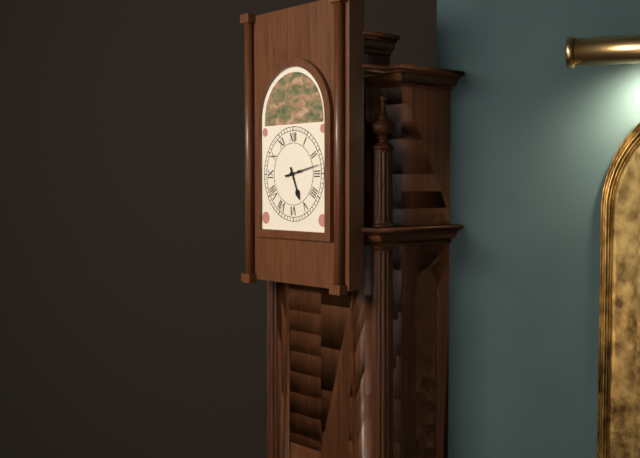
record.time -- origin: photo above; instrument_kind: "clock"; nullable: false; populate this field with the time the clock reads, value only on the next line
5:13
